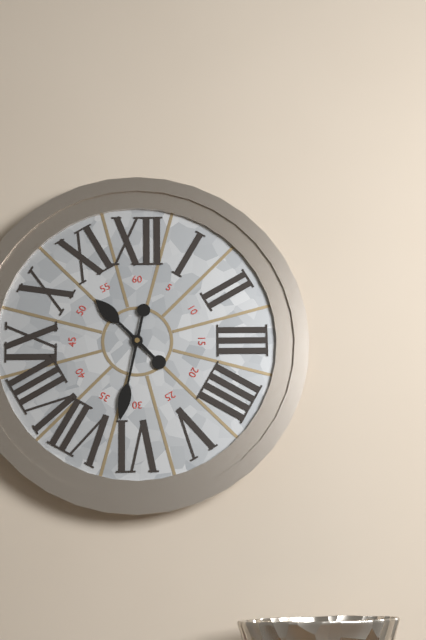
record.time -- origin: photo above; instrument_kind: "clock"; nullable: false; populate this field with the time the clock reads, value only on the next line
10:32
